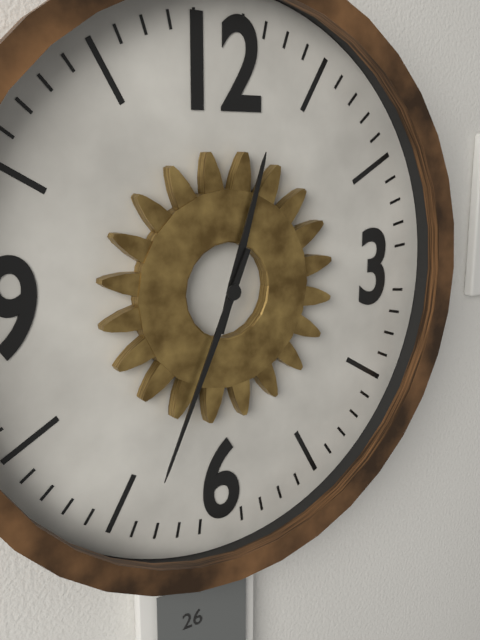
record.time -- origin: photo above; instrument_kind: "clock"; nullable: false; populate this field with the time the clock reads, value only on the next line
12:34
